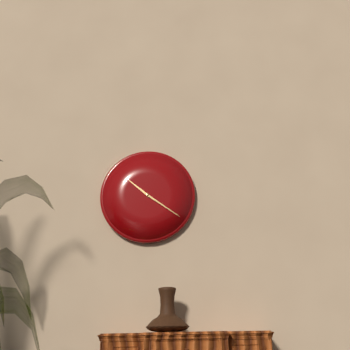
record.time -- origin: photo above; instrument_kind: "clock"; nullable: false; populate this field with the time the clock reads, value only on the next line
10:21
